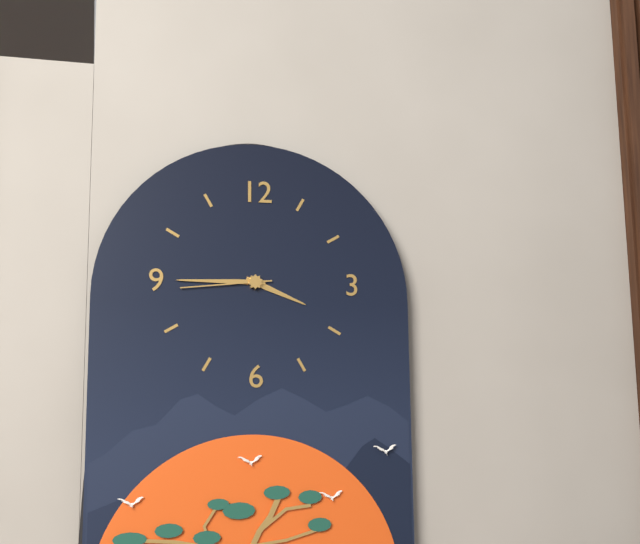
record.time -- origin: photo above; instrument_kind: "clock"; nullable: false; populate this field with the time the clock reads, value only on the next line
3:45:44
